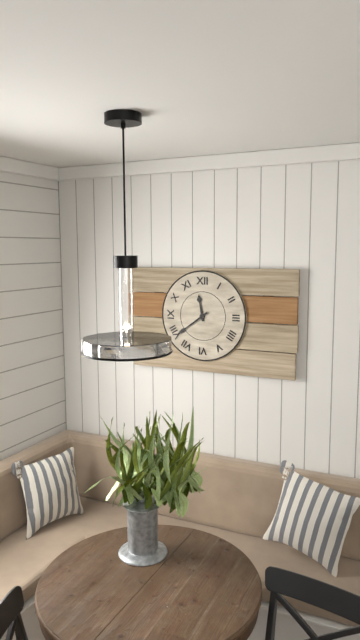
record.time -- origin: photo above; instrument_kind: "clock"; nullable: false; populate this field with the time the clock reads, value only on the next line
11:39
